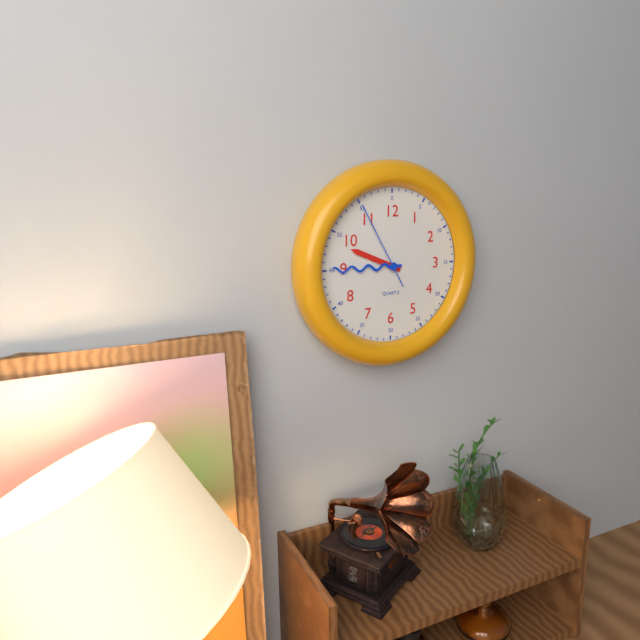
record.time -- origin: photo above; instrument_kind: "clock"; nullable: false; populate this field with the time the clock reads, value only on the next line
9:45:55
